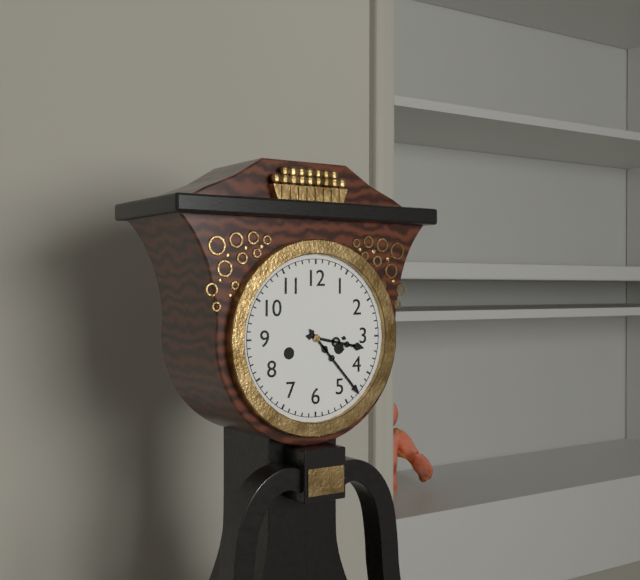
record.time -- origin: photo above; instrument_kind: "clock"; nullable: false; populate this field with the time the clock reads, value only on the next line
3:23
